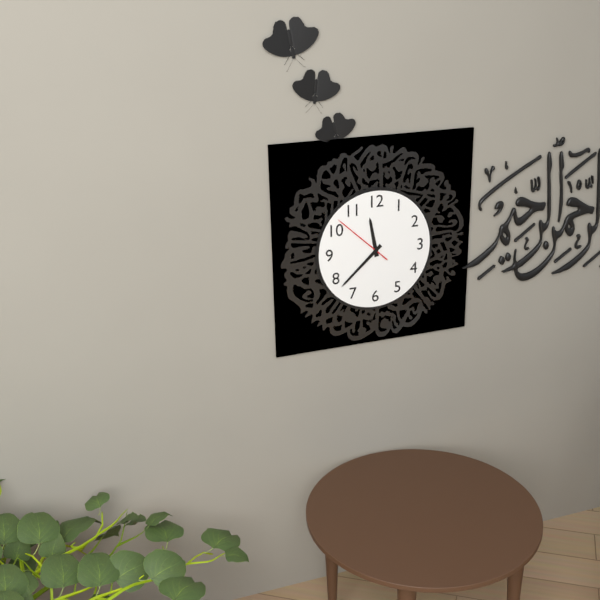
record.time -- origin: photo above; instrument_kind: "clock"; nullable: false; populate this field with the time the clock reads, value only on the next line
11:38:52
